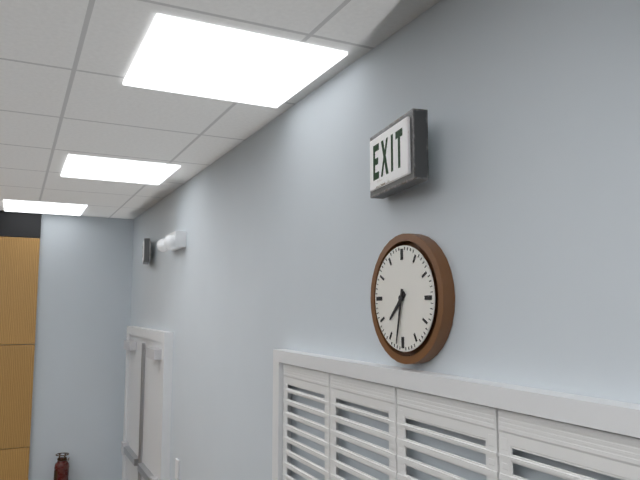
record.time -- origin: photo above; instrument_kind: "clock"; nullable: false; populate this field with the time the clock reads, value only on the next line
7:32
